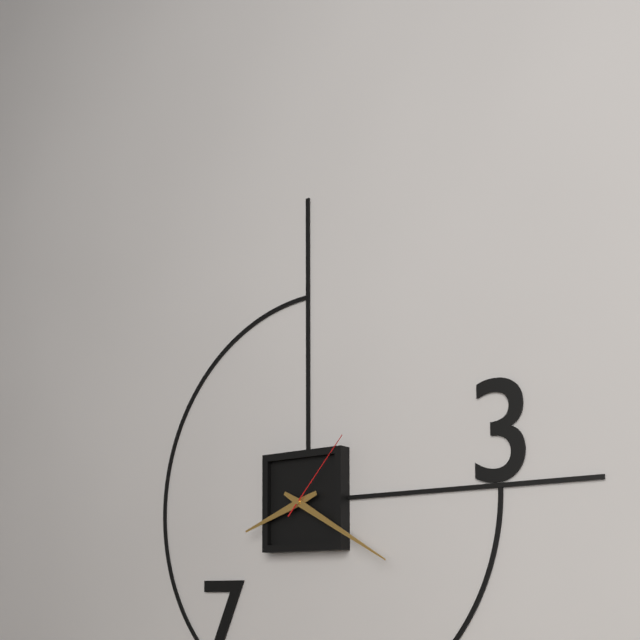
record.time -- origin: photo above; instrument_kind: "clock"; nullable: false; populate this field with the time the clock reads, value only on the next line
8:20:07
